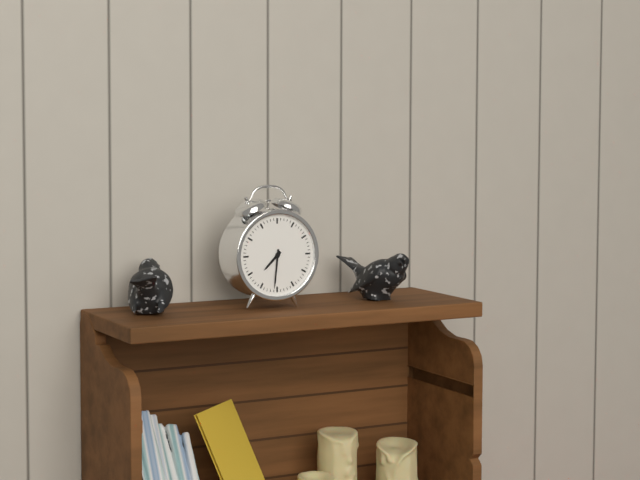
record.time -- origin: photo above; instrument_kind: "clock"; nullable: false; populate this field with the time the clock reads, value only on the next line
7:31
